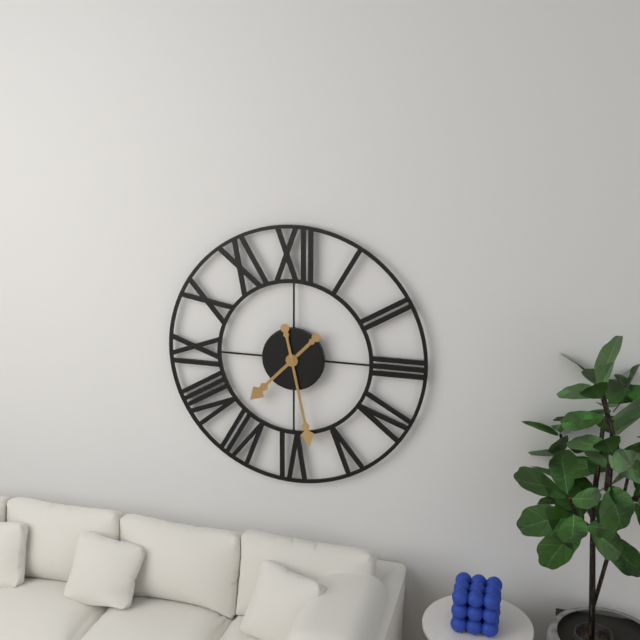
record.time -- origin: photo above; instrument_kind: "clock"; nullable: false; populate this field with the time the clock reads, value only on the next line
7:28
